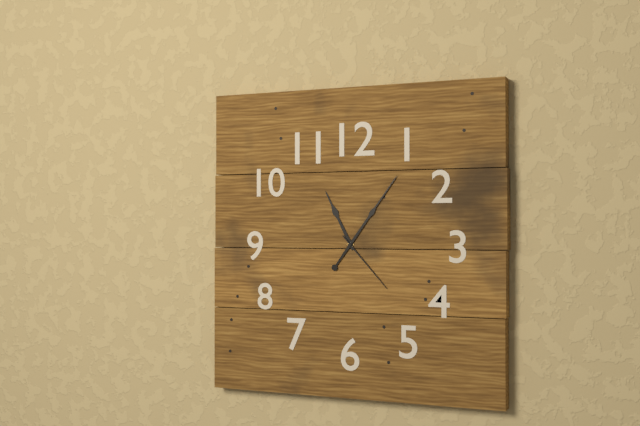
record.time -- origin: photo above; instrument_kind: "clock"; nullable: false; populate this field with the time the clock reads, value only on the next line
11:06:23
